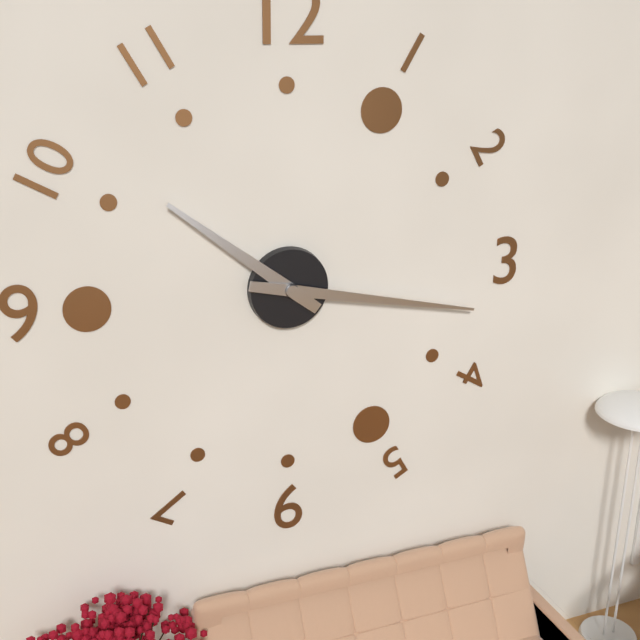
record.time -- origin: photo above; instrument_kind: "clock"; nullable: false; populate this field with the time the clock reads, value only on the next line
10:17
